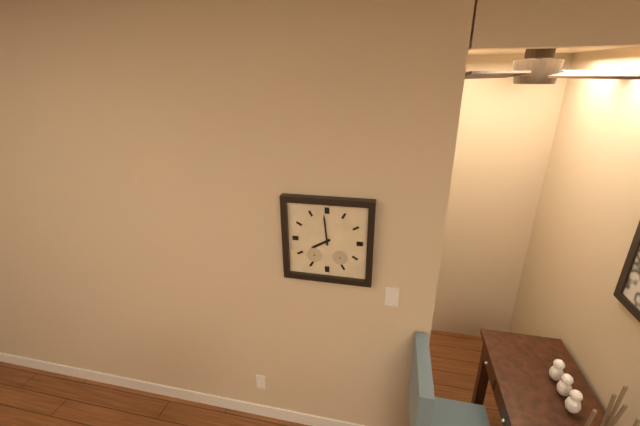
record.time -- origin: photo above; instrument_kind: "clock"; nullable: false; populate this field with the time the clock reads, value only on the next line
7:59
